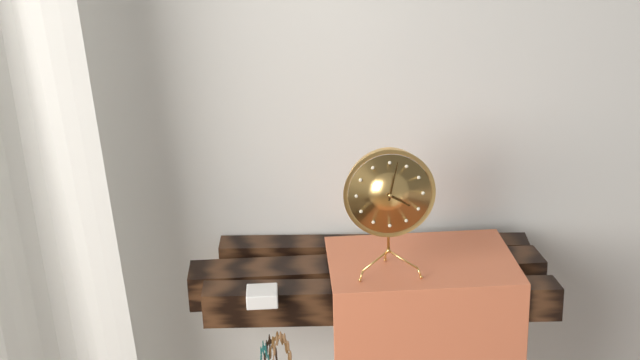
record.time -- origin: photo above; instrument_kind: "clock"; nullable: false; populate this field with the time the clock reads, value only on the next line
4:02
